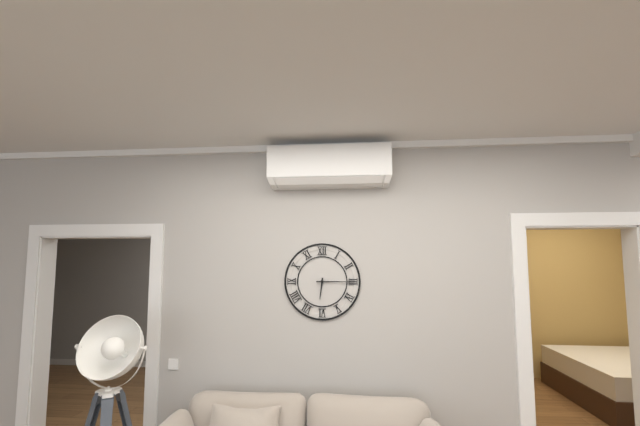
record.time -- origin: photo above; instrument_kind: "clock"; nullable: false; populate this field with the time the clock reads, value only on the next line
6:15
